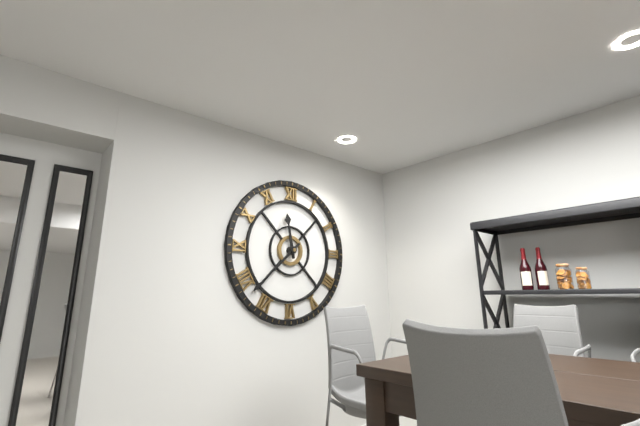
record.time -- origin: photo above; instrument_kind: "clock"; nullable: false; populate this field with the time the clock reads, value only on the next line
11:38
